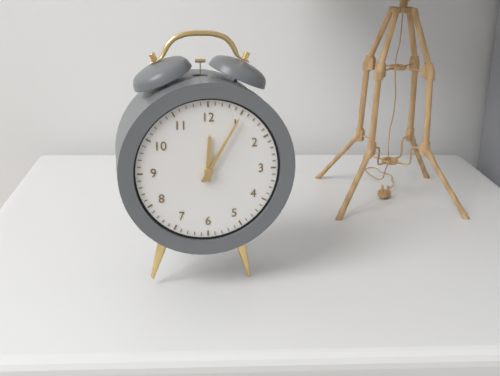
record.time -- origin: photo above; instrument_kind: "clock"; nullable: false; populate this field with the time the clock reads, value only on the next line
12:05
